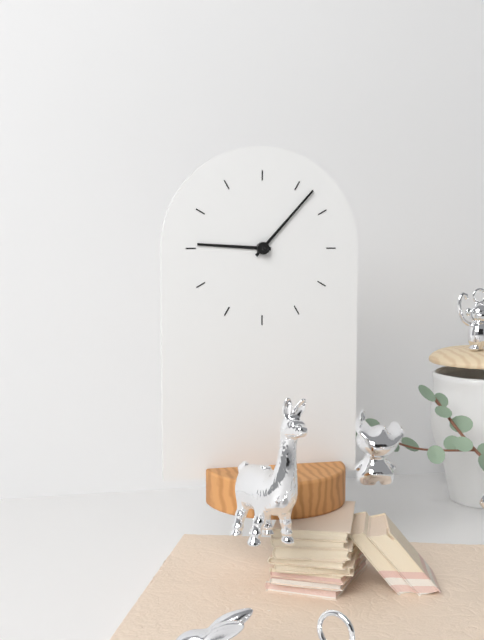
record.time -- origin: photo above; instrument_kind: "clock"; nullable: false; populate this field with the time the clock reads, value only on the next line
9:07
